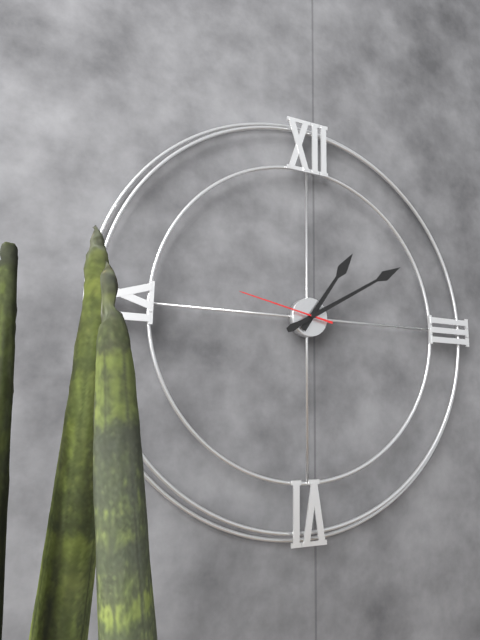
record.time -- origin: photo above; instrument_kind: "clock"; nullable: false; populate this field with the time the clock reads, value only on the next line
1:10:47
